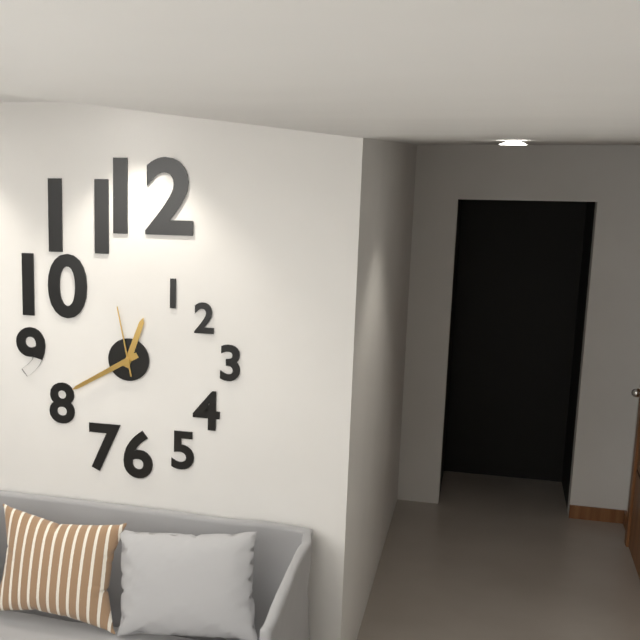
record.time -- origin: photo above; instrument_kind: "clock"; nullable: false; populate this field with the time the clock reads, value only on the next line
12:40:58
